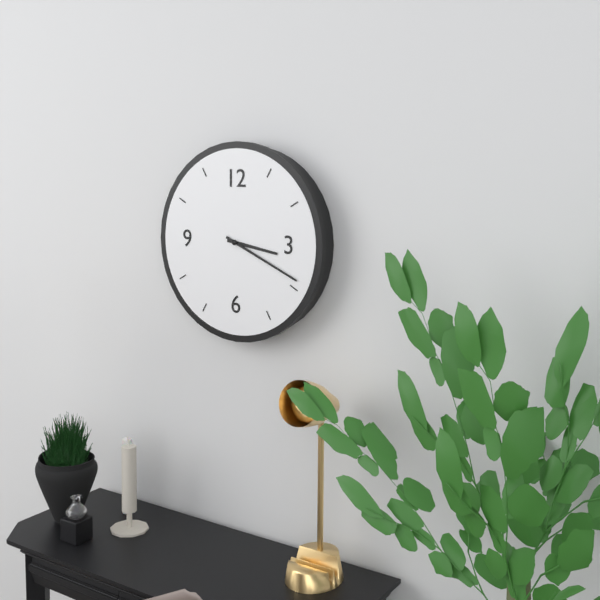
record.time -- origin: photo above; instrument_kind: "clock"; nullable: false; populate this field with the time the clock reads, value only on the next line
3:19
